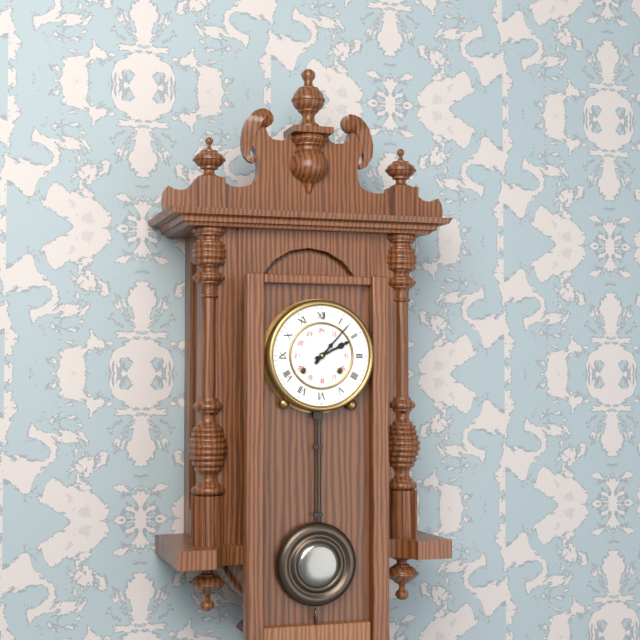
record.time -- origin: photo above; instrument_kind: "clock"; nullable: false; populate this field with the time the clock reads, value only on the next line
2:07
